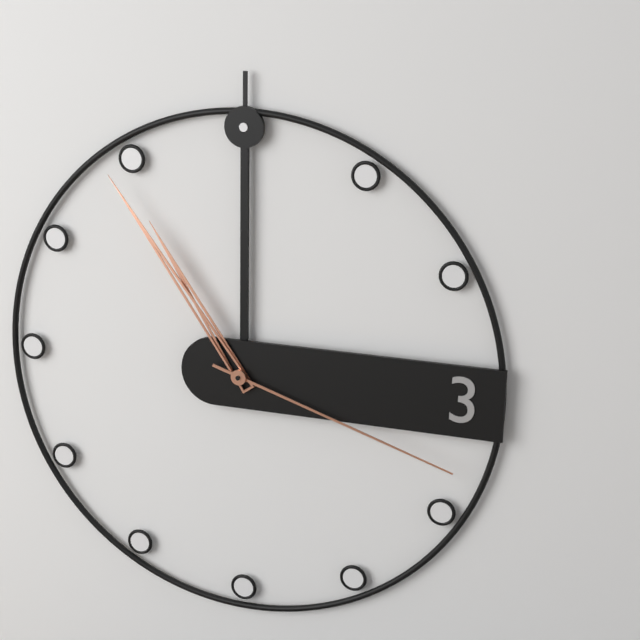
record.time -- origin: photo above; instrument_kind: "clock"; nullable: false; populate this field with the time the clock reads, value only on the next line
10:54:18
